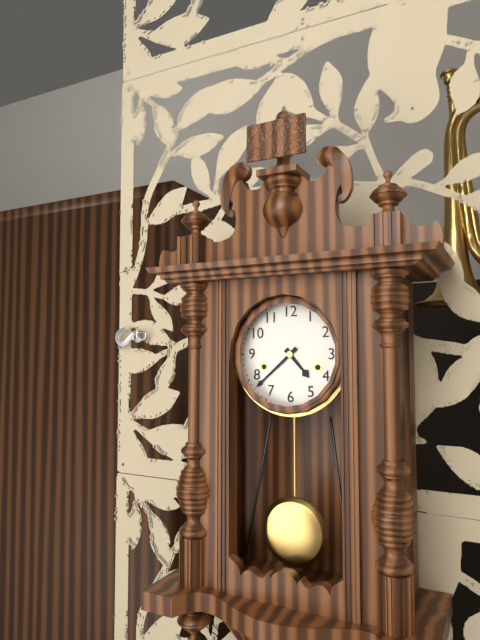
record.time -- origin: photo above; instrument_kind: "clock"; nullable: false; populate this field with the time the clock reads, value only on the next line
4:38
